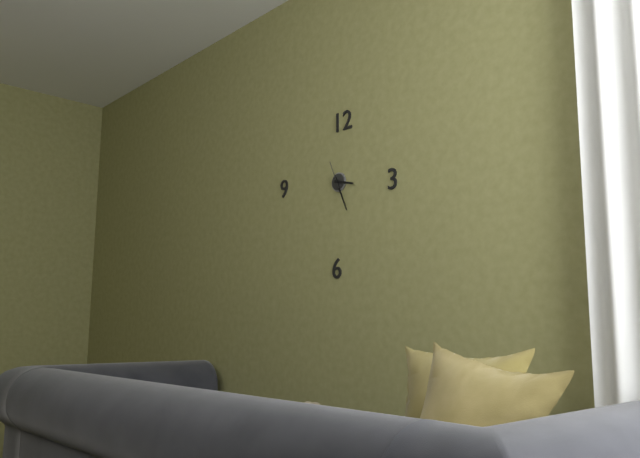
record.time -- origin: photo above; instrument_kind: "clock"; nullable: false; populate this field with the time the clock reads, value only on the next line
3:26
